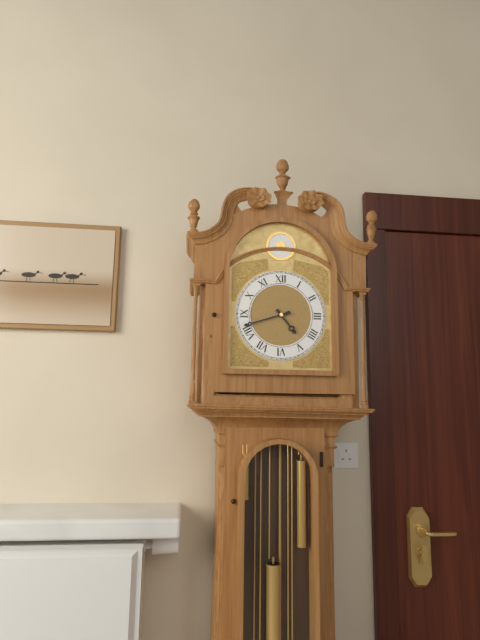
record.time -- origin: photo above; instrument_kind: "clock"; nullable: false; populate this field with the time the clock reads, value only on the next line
4:42
